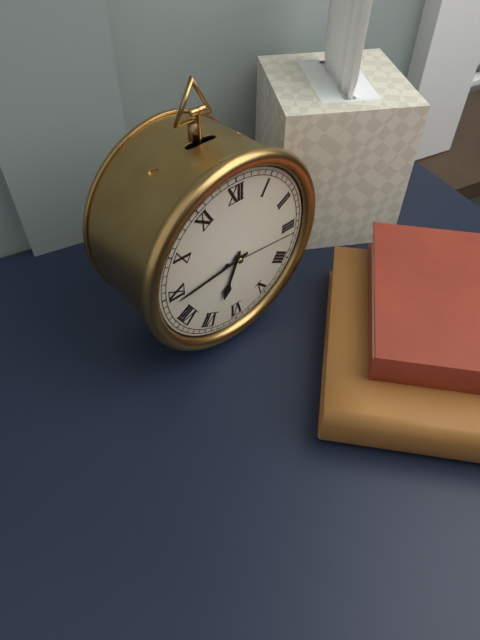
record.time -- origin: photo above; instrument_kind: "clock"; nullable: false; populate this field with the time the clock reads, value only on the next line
6:44:16
